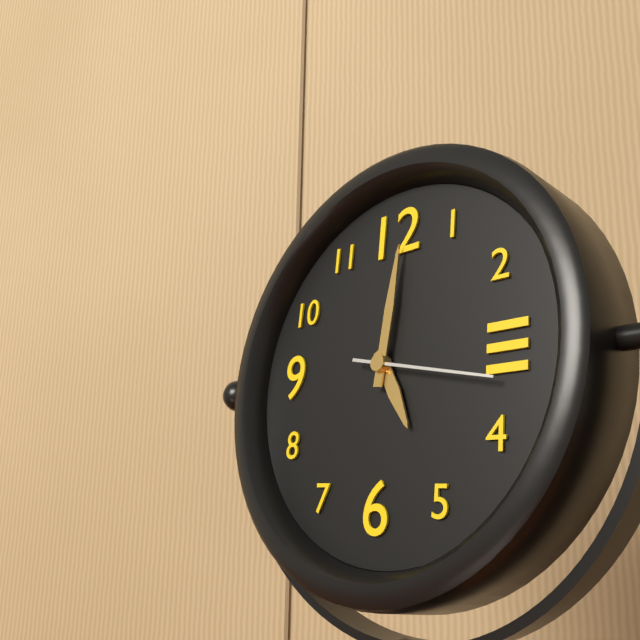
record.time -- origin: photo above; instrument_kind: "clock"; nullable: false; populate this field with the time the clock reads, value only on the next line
5:01:17
